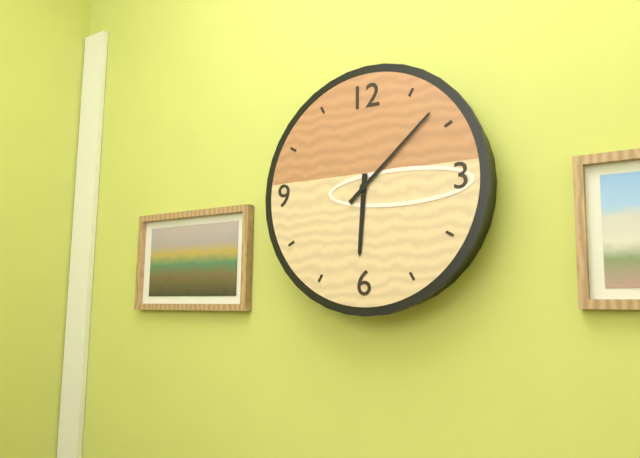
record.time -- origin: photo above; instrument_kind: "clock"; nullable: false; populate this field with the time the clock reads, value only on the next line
6:08
